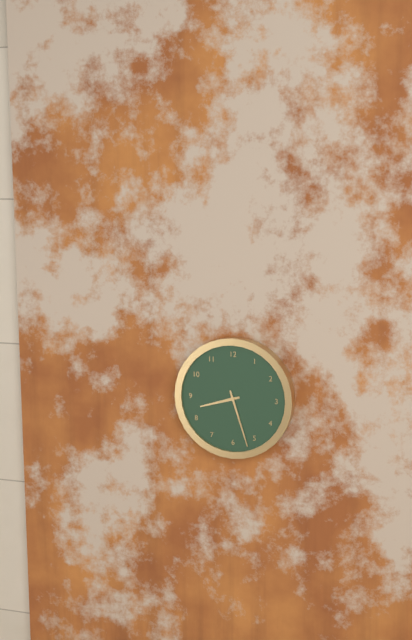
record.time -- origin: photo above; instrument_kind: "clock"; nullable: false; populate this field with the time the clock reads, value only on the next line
8:27
